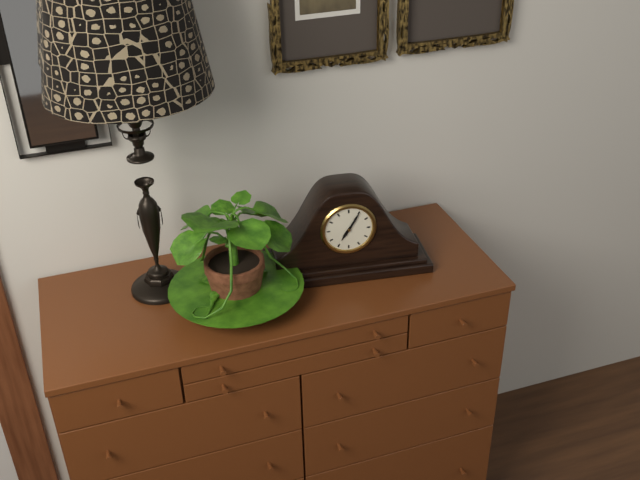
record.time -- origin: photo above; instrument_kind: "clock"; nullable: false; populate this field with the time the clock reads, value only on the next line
7:05
